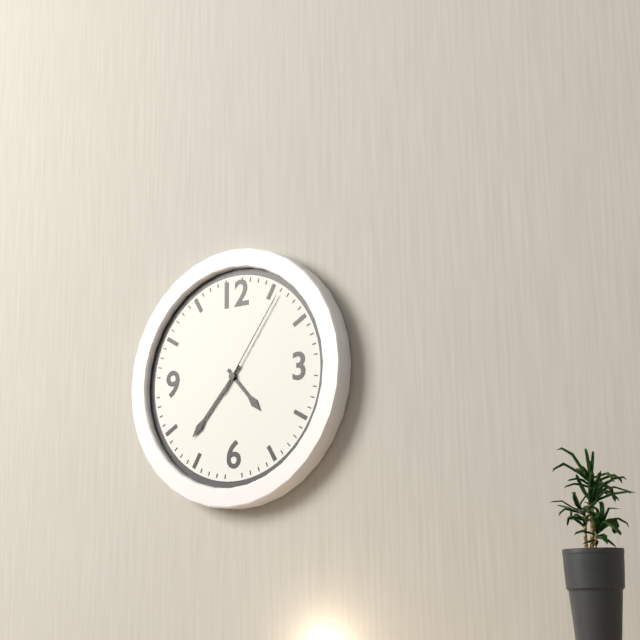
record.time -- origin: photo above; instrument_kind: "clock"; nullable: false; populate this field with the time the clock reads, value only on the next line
4:37:06
